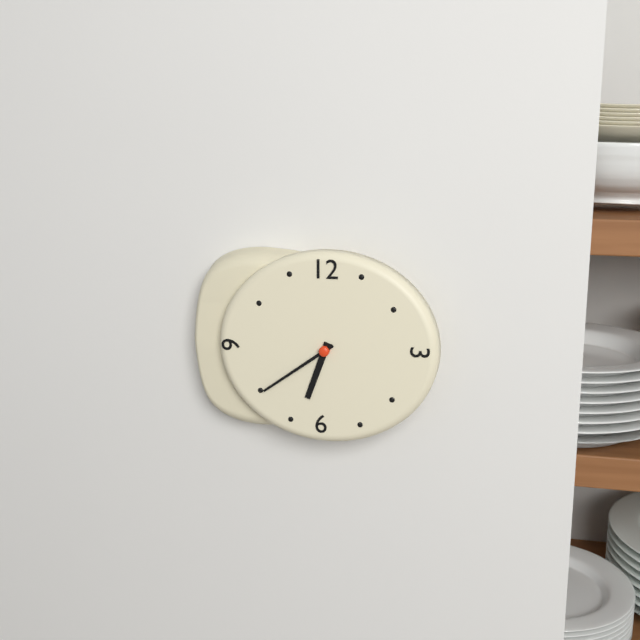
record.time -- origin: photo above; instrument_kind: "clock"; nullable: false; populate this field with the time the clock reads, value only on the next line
6:39
